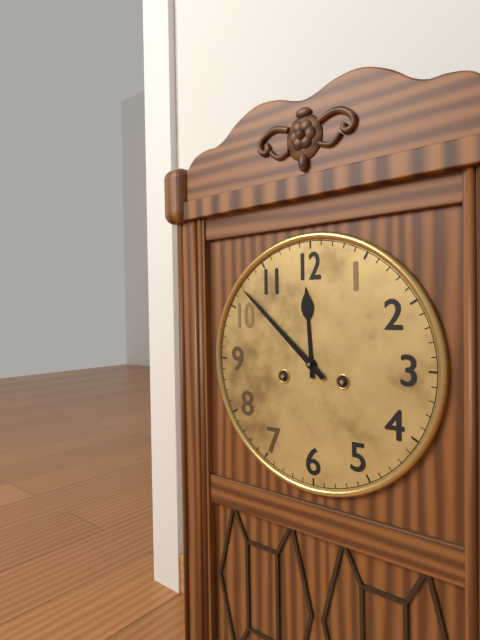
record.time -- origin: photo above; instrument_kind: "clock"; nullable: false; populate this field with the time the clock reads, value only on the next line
11:52
